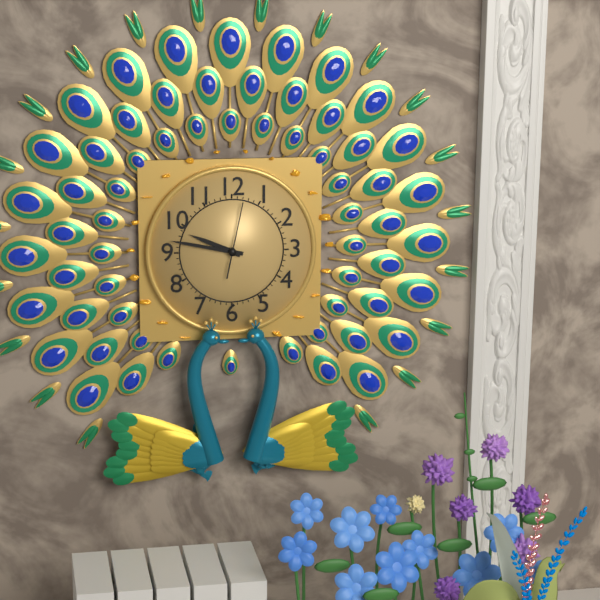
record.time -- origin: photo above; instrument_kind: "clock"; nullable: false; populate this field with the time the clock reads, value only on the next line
9:47:02
